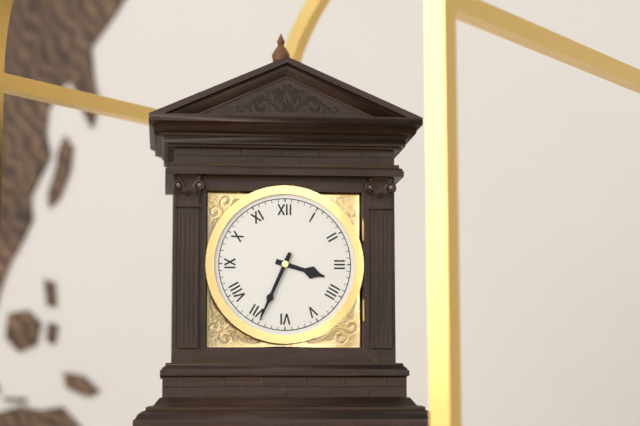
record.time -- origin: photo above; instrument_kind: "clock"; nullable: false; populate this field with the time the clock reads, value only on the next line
3:34
